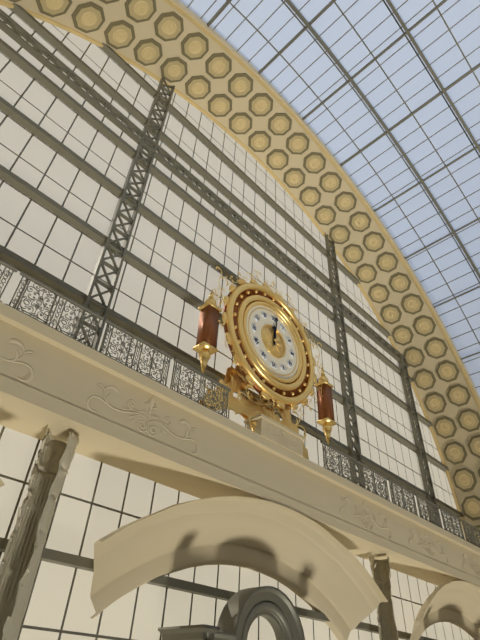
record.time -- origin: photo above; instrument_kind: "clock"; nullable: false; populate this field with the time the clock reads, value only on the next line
12:01
